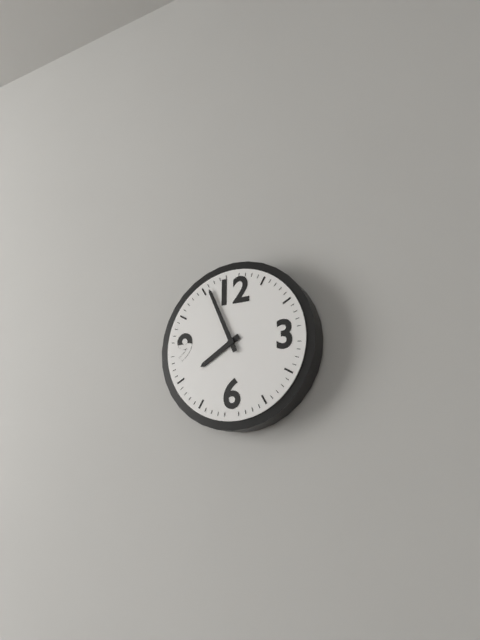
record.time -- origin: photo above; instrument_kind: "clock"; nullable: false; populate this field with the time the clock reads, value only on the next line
7:56
